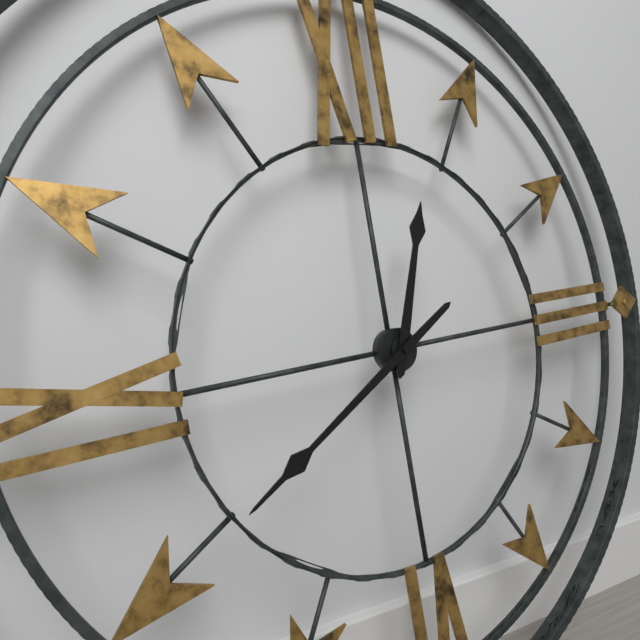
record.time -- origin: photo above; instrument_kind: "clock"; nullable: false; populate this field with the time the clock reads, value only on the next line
12:40
